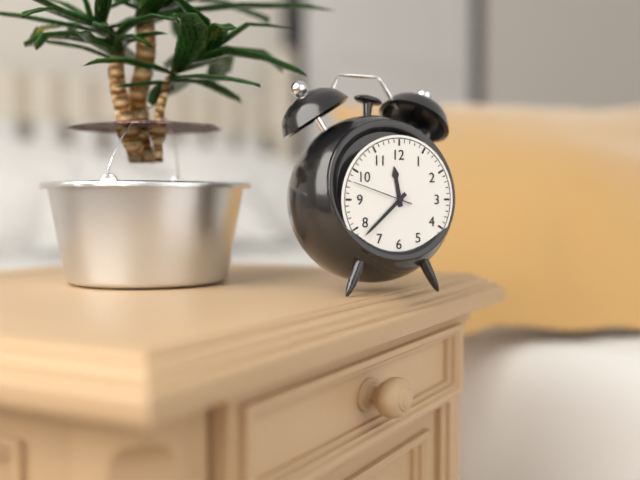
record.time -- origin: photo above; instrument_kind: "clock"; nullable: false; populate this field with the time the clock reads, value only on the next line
11:38:48
